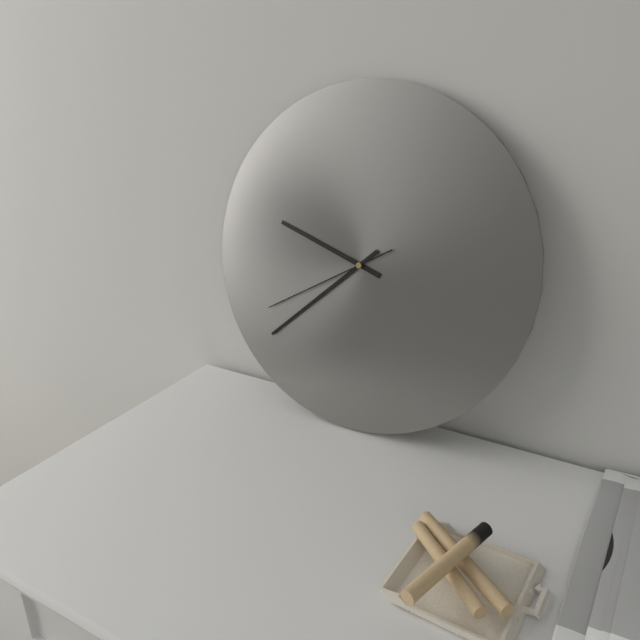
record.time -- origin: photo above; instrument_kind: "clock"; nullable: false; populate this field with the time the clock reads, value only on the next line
9:38:40
